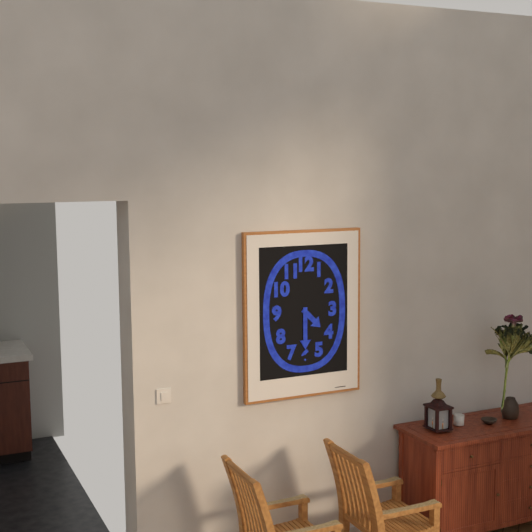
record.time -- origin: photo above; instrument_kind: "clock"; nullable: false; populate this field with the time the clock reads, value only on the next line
4:30
